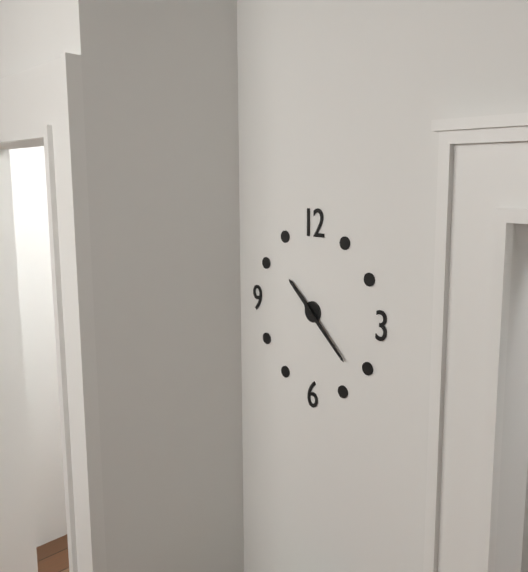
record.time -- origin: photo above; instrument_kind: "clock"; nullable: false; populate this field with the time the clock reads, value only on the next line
10:22
